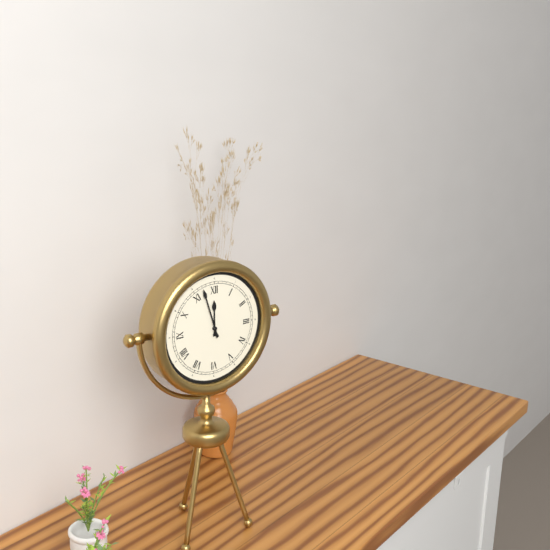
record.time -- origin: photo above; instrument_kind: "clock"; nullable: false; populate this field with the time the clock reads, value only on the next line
11:57
